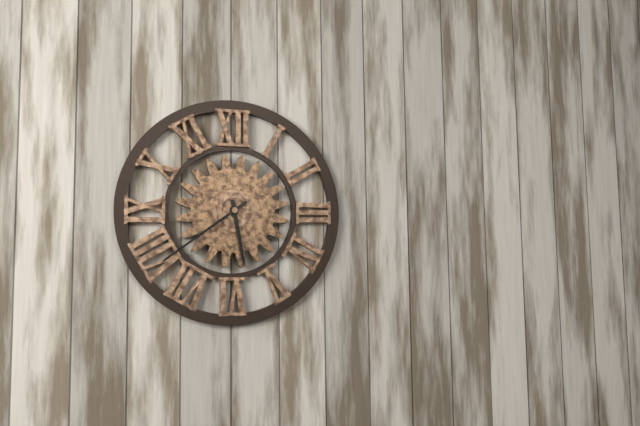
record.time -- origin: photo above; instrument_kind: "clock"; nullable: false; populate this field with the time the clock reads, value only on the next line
5:39
